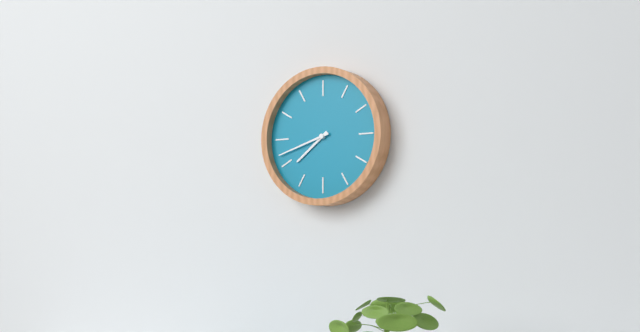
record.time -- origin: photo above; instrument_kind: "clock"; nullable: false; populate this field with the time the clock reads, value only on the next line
7:42
